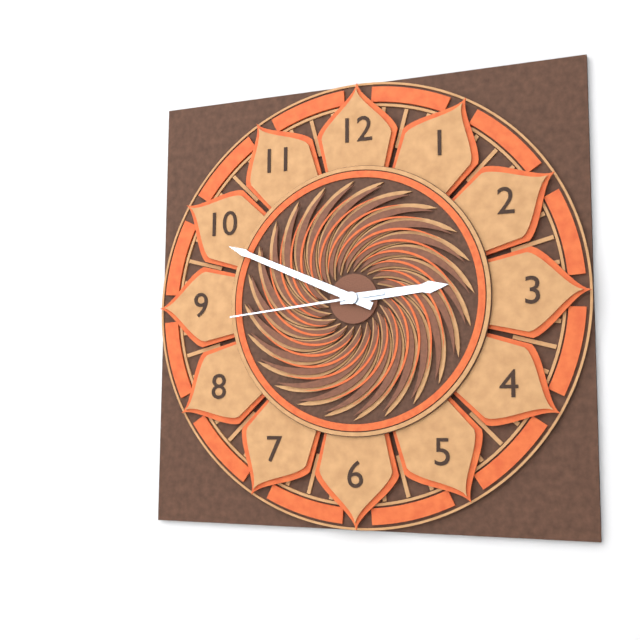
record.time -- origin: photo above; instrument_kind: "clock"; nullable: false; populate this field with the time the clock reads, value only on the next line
2:49:44
